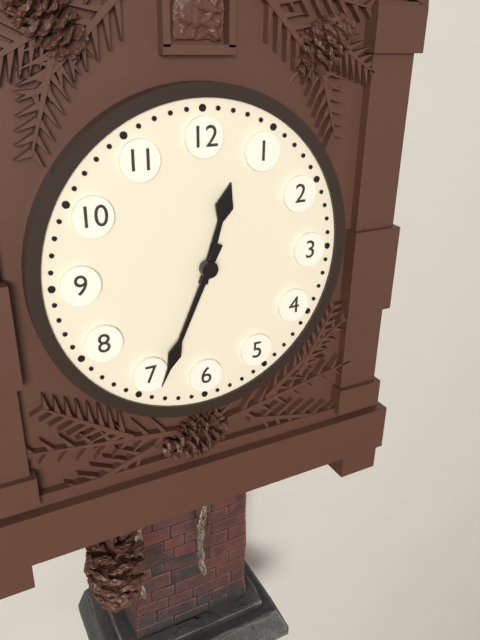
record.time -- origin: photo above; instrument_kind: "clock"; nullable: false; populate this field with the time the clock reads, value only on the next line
12:34
